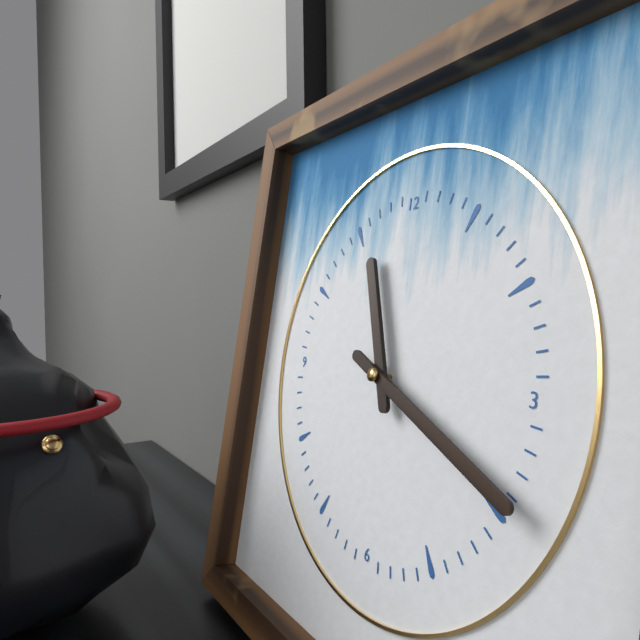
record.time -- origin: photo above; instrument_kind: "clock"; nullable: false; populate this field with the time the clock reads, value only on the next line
11:19
